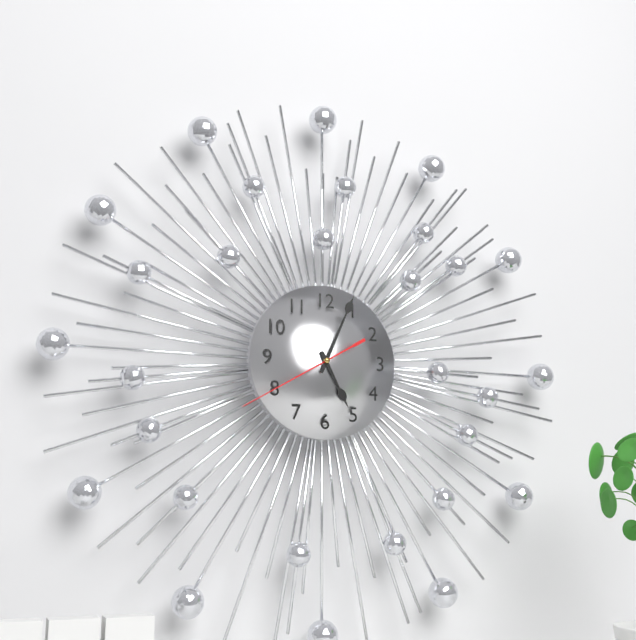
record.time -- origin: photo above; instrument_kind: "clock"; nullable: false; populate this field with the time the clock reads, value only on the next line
5:04:40
